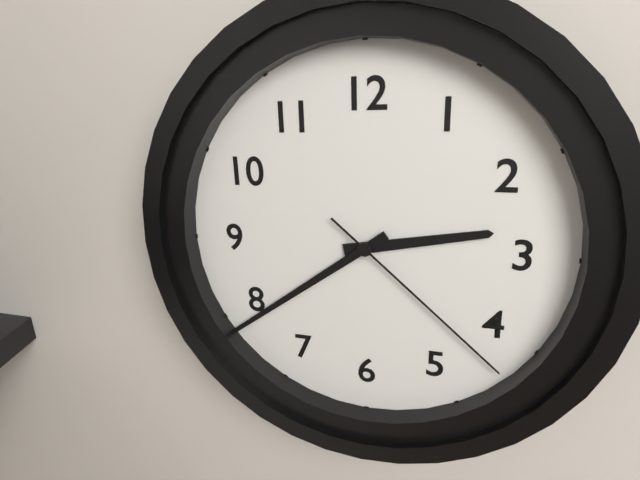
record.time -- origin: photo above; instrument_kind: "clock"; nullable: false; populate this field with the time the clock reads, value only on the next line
2:39:22
